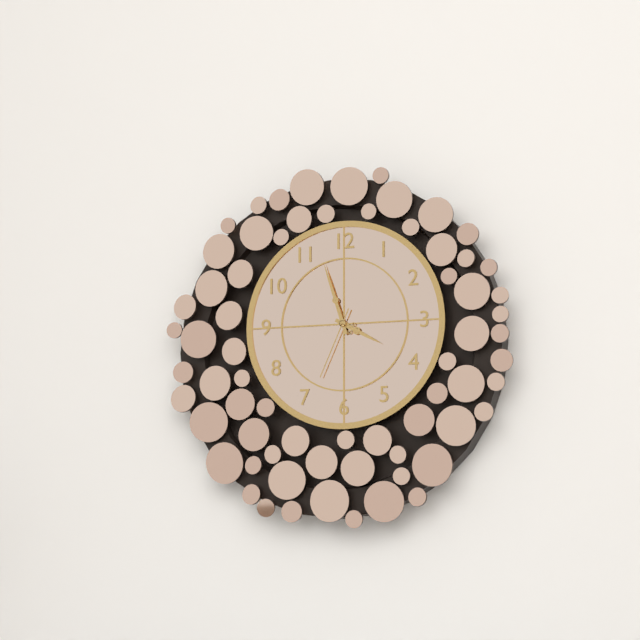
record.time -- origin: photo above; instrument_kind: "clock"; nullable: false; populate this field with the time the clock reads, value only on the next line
3:57:34
